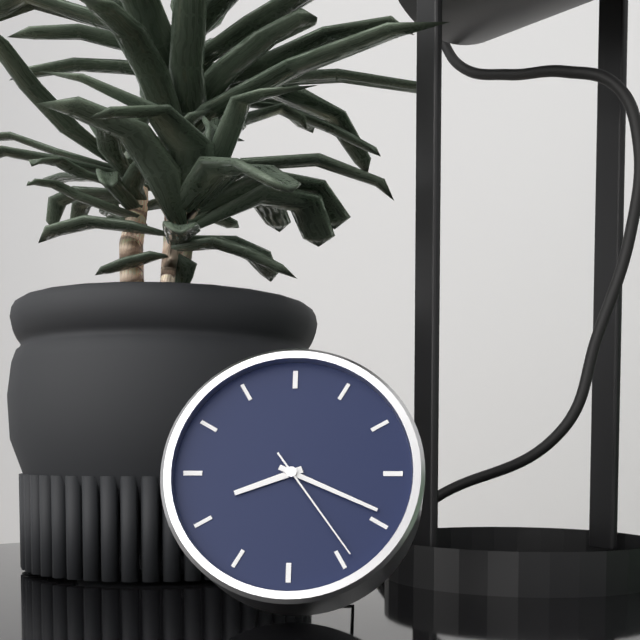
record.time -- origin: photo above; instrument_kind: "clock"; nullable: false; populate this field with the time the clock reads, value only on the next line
8:19:24
